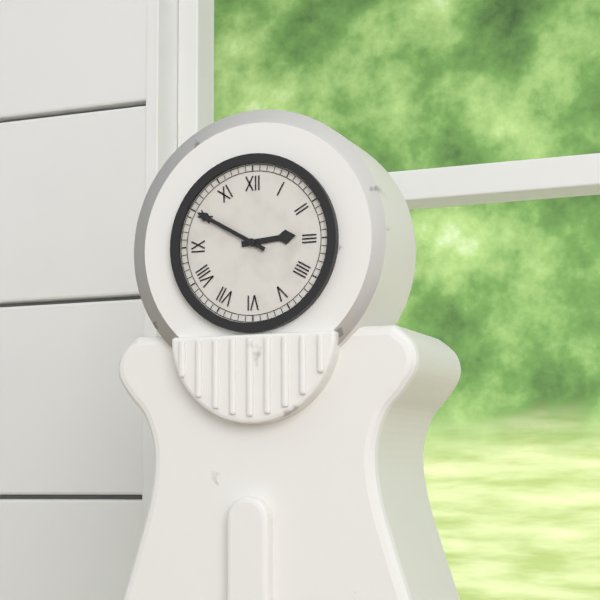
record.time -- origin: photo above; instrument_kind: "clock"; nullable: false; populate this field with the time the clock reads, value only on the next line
2:50
